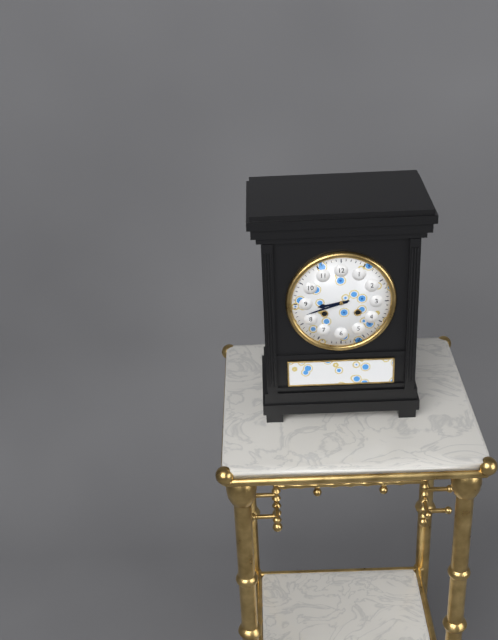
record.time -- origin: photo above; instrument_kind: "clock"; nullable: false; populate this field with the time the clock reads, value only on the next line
8:42
